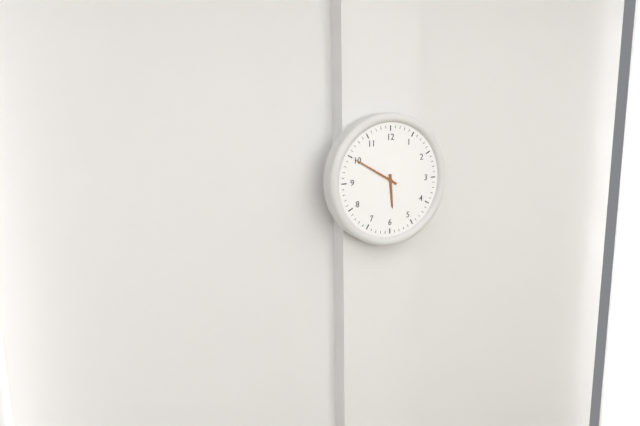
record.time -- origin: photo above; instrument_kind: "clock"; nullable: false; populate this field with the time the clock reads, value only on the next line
5:50
